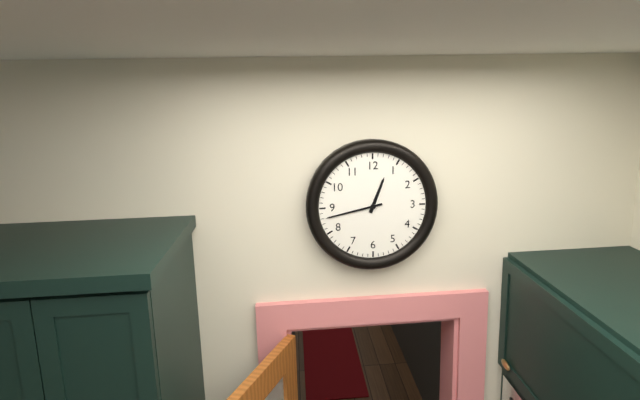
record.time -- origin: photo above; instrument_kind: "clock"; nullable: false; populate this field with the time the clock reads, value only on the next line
12:43
